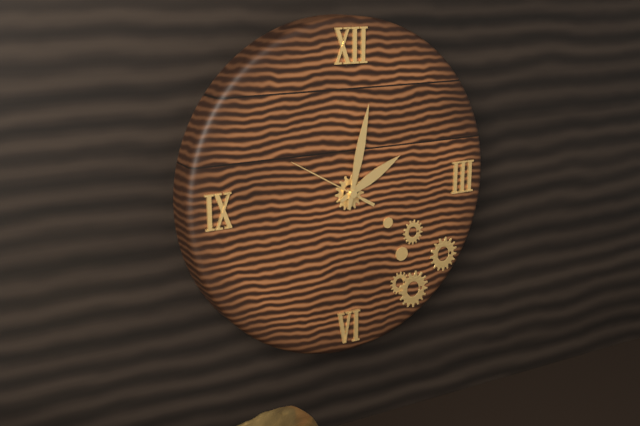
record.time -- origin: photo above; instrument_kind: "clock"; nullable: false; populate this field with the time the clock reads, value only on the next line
2:02
